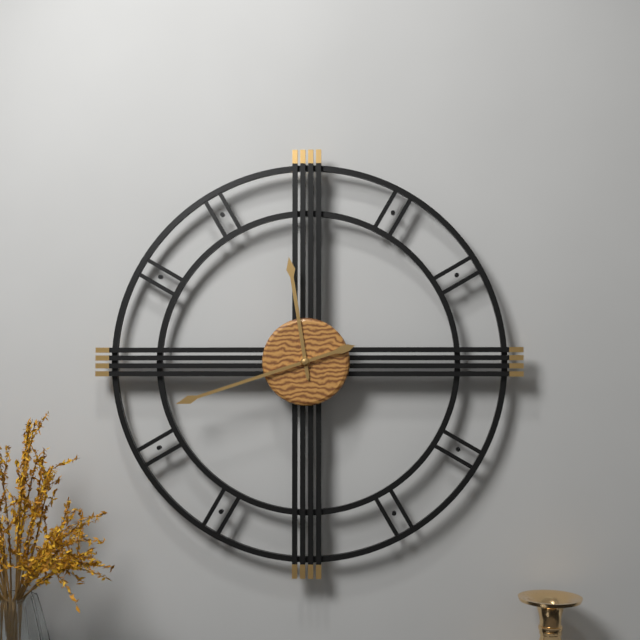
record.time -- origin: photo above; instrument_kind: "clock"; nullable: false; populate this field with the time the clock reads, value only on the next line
11:42
